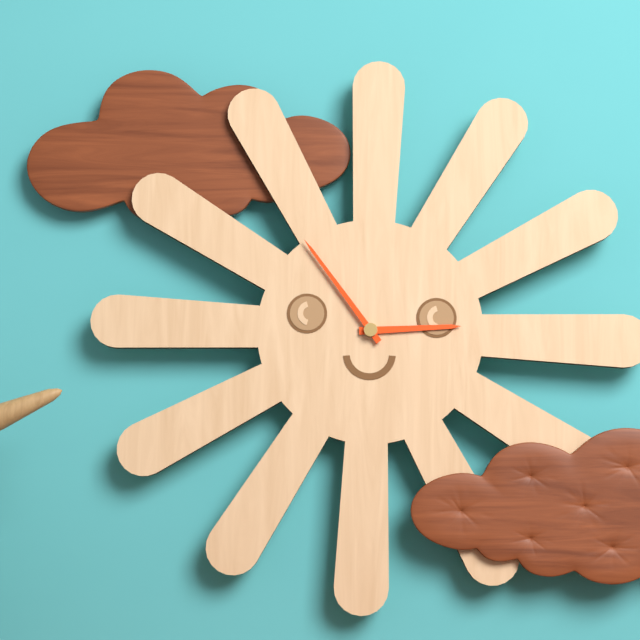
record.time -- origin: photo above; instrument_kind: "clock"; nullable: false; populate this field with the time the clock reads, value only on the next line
2:54
